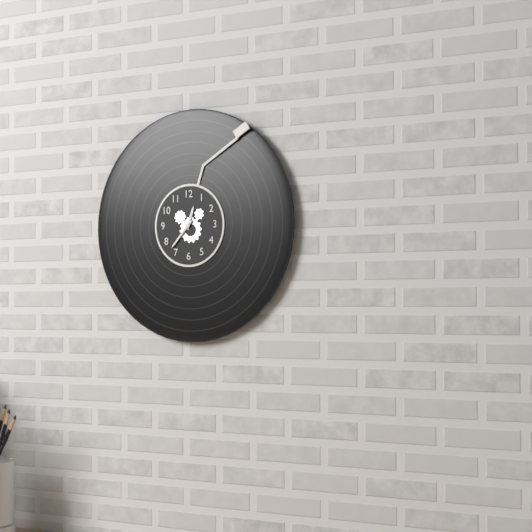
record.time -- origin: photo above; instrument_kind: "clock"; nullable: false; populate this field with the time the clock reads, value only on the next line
12:37
